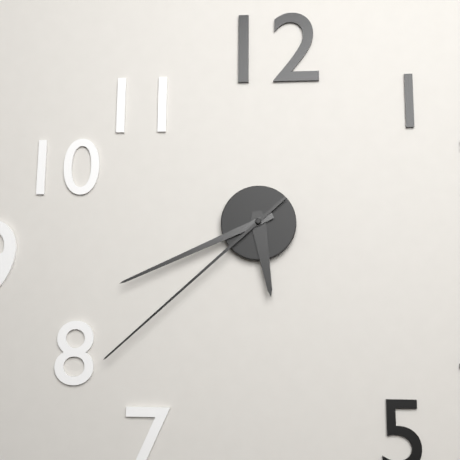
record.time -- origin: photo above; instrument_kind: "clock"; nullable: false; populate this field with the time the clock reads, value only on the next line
5:41:38
